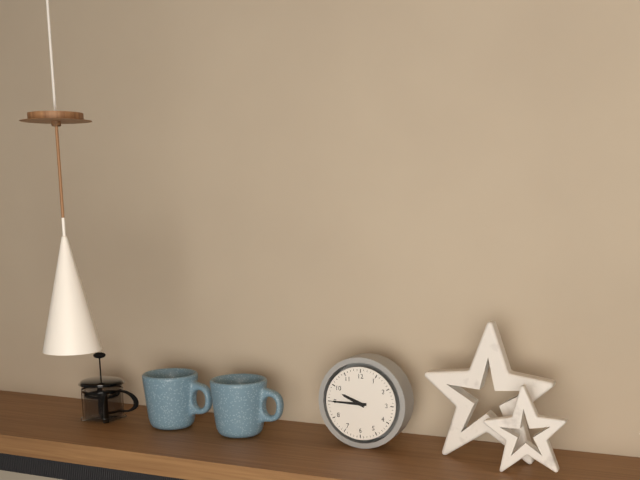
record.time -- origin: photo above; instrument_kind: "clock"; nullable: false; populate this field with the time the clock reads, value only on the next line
9:45
